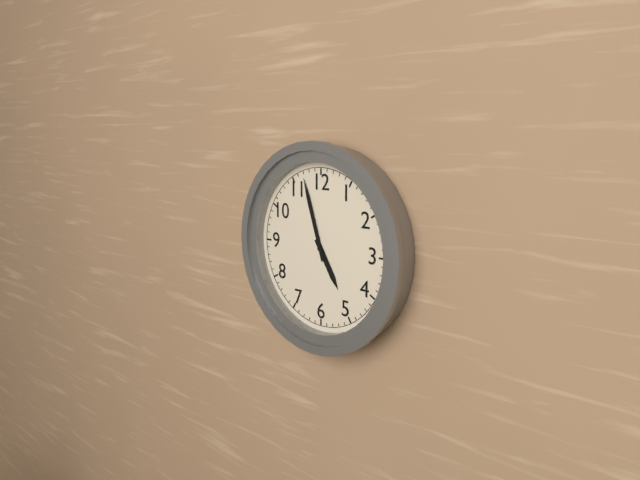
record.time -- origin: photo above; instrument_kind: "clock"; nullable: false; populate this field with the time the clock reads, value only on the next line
4:57
